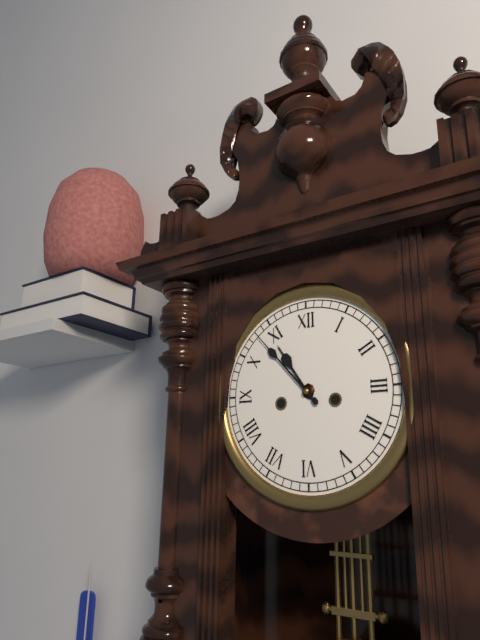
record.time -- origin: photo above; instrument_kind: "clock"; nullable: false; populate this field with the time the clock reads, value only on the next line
10:53
